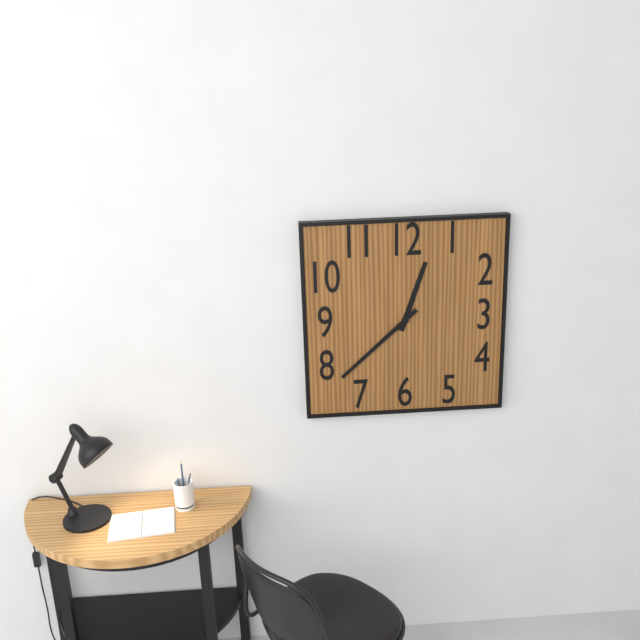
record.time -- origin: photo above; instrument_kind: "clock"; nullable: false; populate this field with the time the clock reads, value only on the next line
12:38
